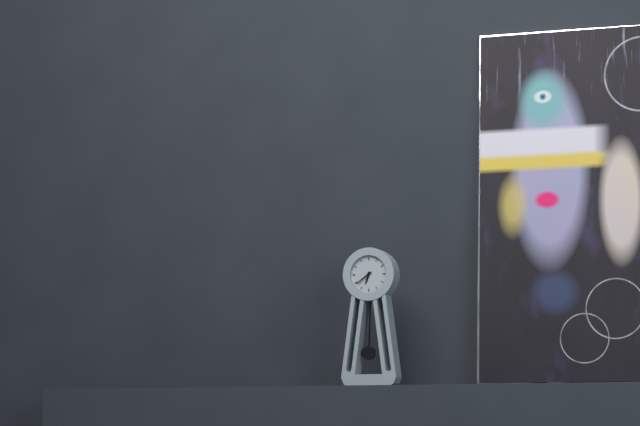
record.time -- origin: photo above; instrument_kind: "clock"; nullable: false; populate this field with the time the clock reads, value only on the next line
6:39
